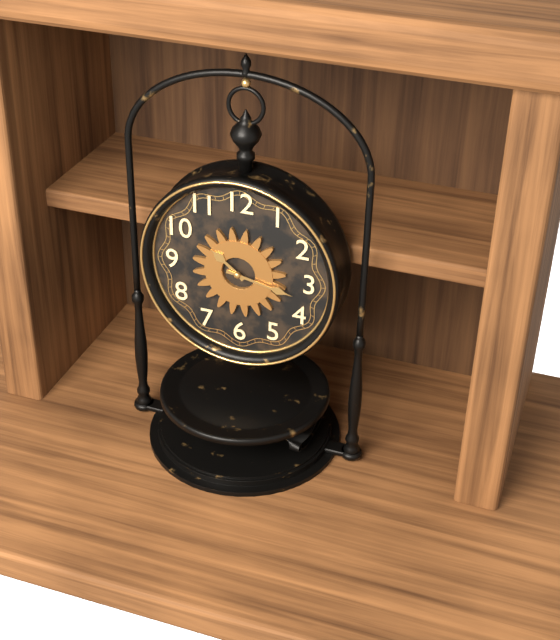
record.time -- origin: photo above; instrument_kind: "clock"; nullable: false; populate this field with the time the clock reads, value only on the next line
10:17
